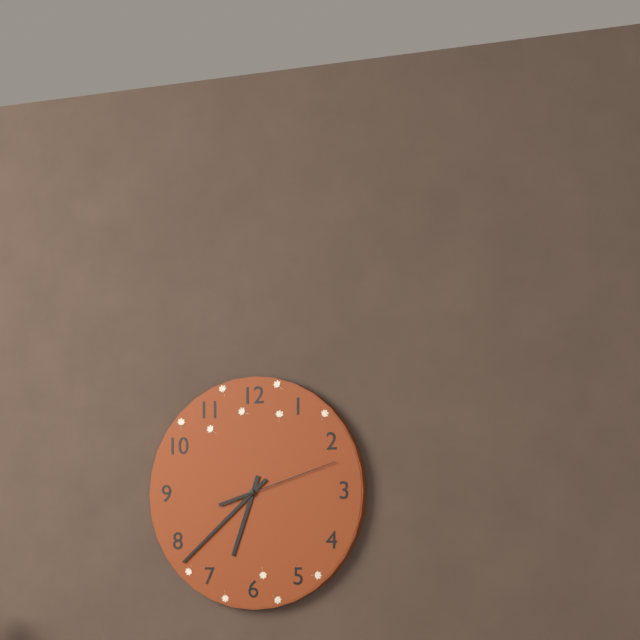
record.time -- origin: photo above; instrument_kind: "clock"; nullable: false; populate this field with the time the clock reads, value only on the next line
6:38:12
